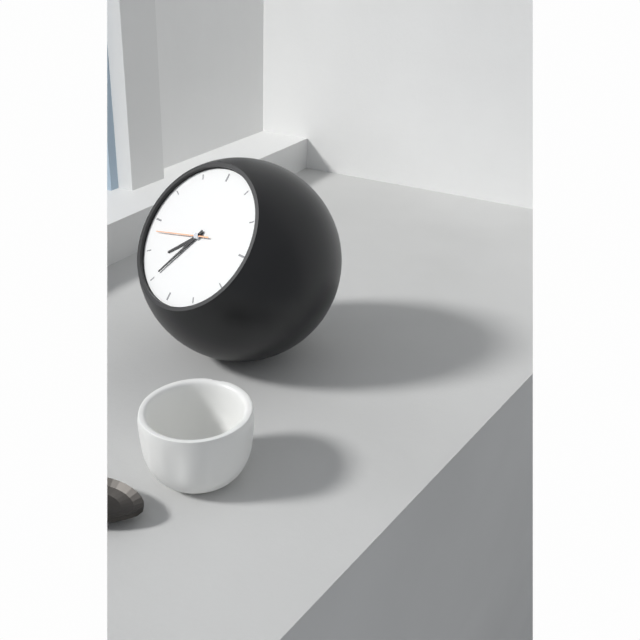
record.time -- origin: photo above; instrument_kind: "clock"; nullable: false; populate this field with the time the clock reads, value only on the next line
7:35:43
